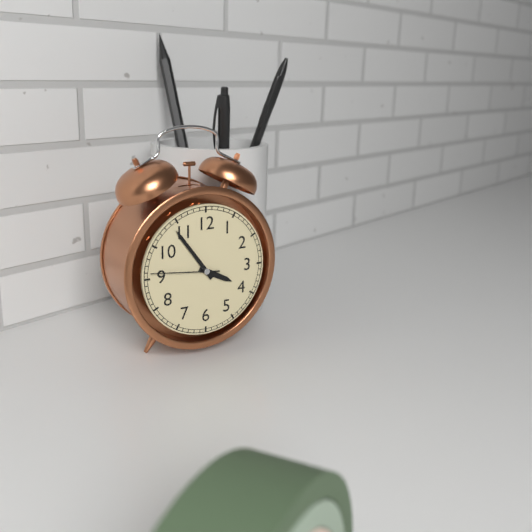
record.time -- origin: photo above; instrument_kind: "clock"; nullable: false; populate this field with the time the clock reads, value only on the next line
3:54:46
